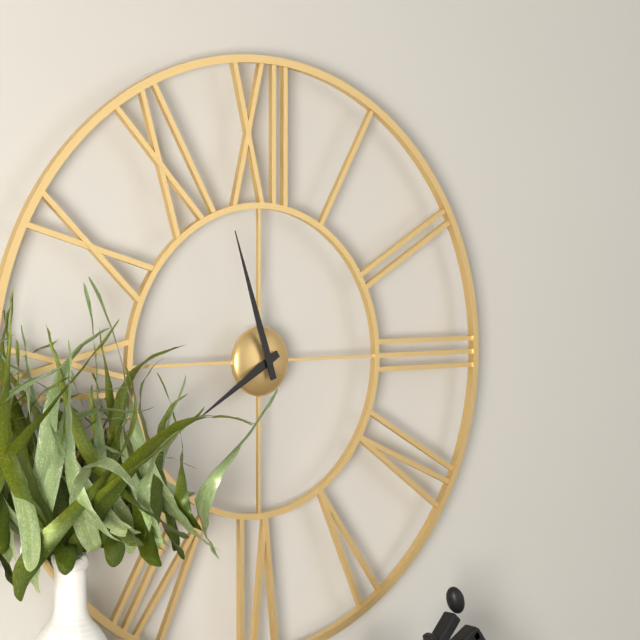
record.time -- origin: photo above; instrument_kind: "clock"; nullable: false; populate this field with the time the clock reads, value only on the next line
7:57
